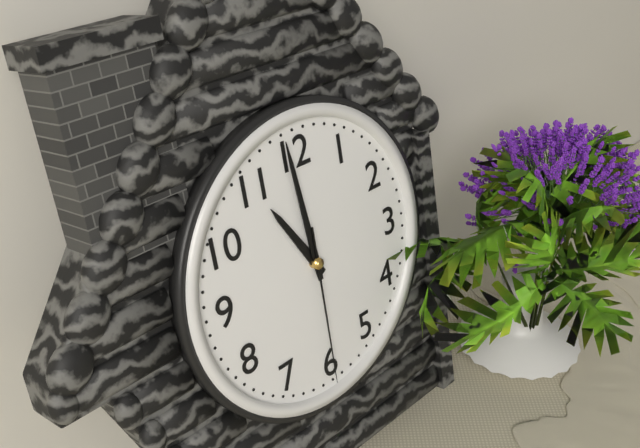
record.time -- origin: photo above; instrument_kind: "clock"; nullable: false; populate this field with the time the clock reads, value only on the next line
10:59:30
